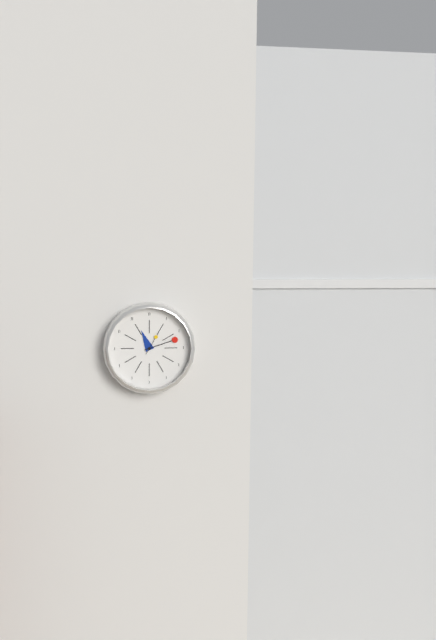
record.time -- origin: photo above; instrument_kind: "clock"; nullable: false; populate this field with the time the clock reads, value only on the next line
11:12
